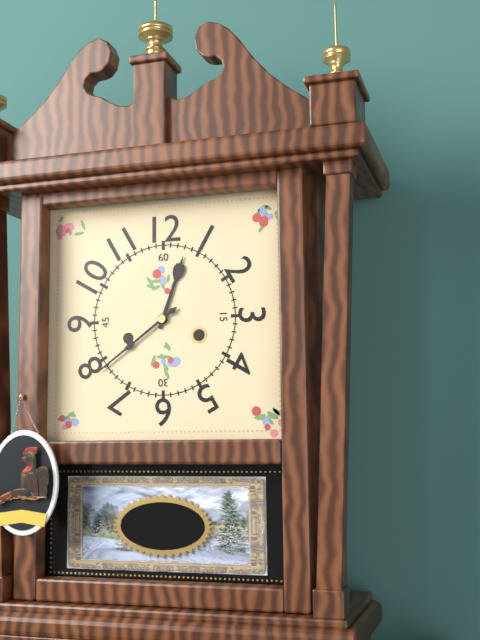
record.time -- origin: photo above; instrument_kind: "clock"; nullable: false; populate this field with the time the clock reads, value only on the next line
12:39
